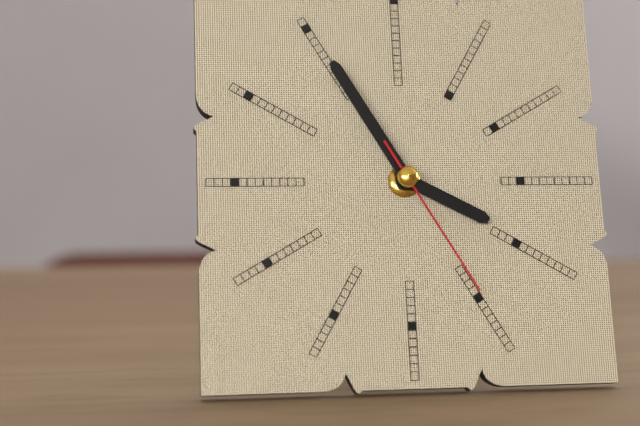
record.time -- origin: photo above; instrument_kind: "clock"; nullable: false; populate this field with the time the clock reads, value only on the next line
3:55:25
